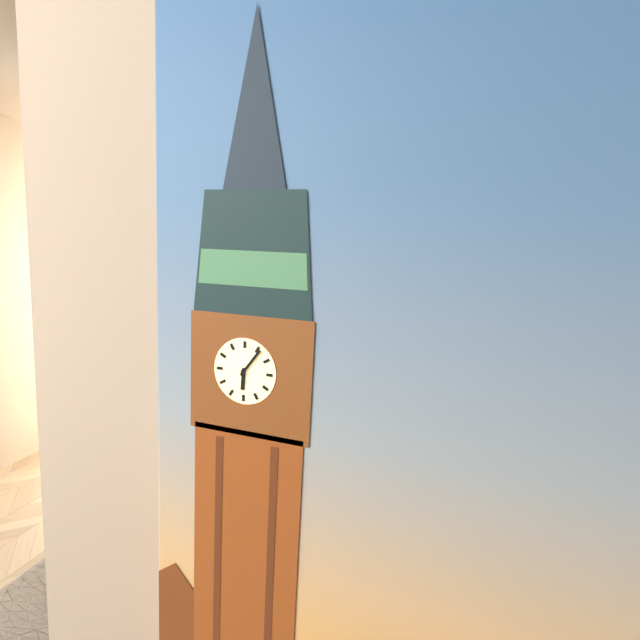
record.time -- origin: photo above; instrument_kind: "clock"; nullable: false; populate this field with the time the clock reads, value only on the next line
6:06
